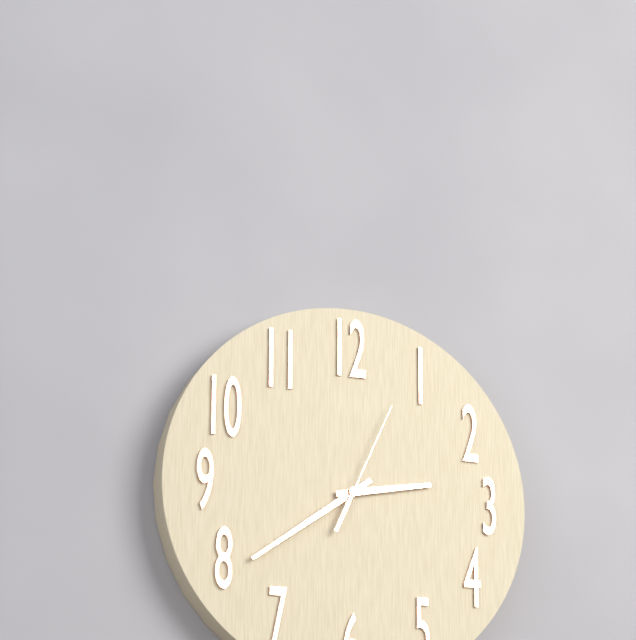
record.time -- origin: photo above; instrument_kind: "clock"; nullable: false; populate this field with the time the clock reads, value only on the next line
2:39:04
